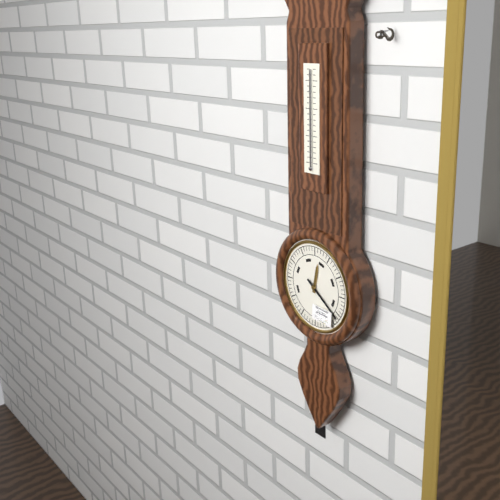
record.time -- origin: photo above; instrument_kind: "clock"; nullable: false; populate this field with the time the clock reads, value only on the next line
12:21
